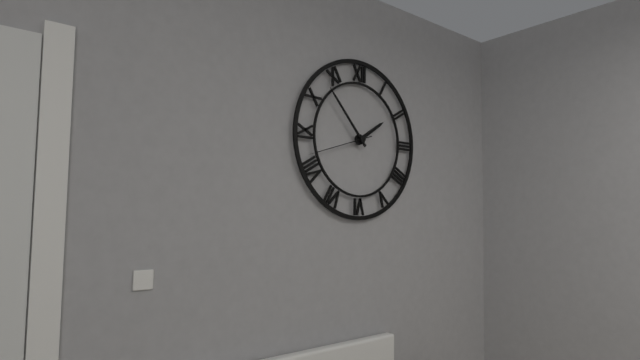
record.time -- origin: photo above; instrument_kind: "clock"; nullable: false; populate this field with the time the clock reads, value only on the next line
1:53:42
